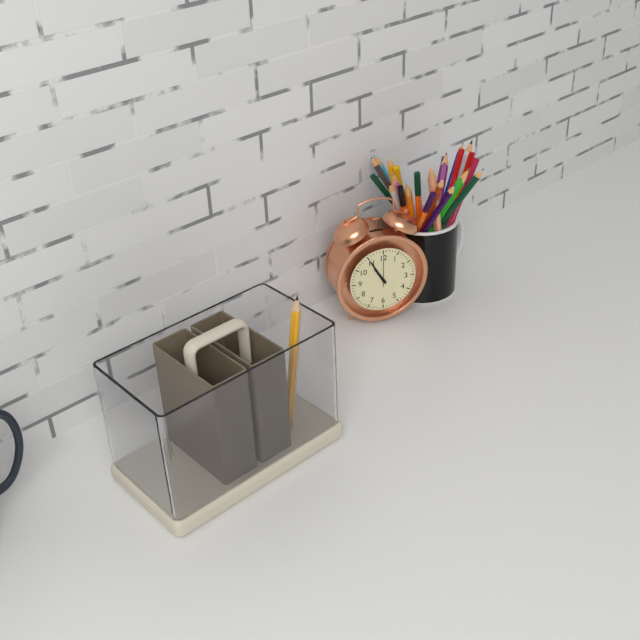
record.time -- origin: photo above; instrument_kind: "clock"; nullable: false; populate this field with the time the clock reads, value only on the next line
10:55
